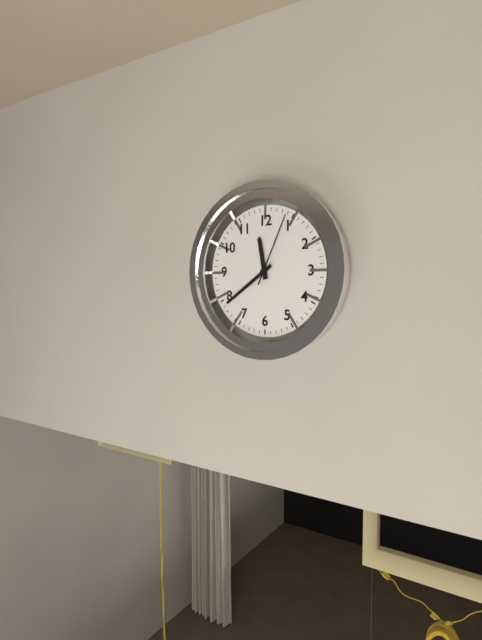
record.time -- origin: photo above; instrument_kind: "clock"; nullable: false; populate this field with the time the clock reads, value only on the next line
11:39:04
